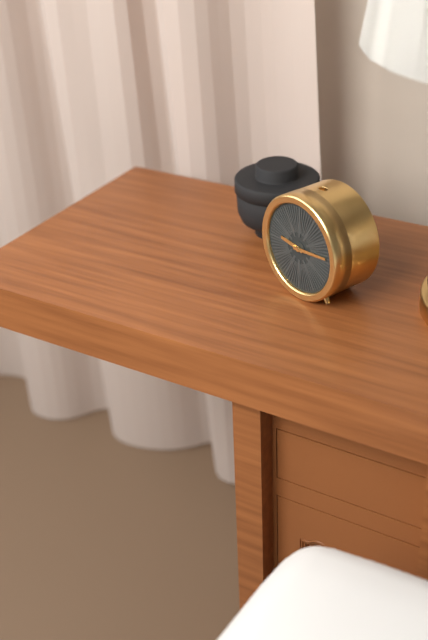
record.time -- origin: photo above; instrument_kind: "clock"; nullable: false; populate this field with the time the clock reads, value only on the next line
9:14
